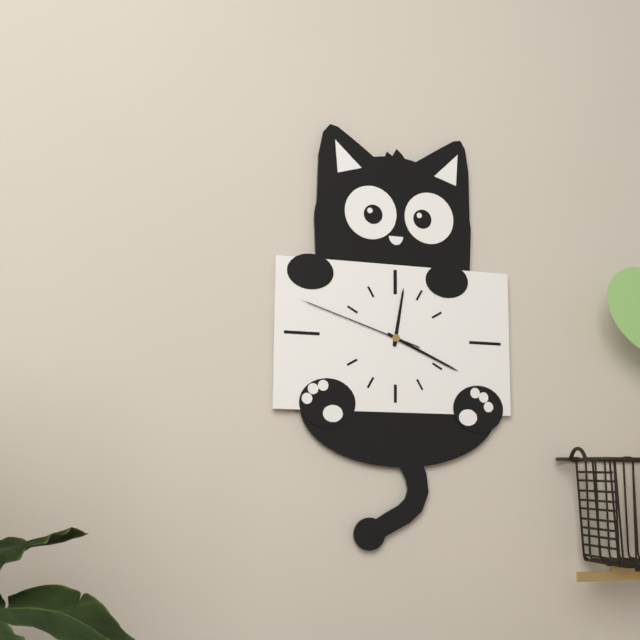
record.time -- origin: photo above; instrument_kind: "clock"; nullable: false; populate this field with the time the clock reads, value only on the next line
12:19:48
